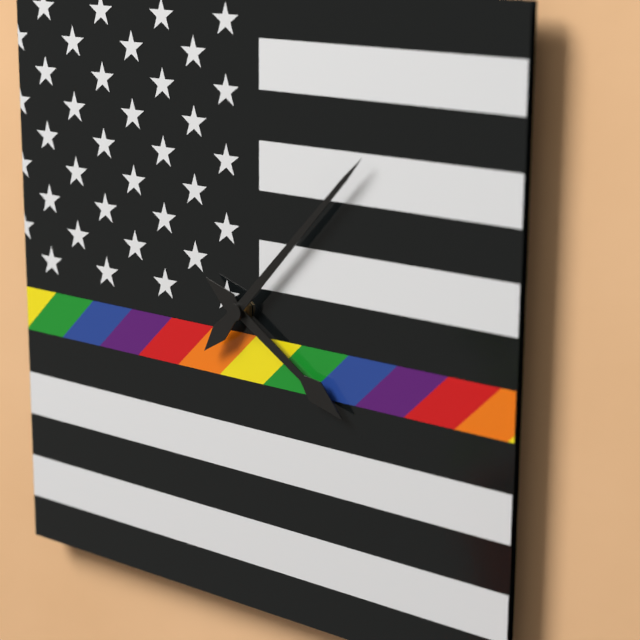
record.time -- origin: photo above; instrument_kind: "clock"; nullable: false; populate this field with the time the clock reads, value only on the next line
4:07
